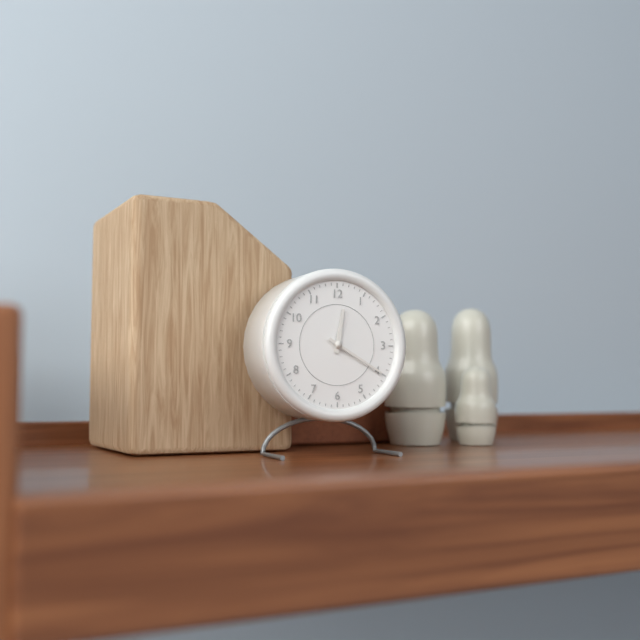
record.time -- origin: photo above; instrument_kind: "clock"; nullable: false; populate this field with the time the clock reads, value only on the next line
12:20
